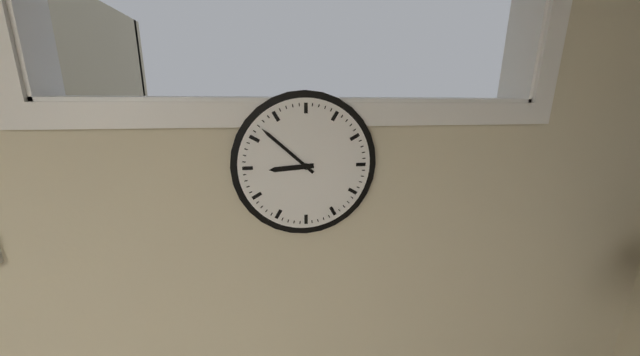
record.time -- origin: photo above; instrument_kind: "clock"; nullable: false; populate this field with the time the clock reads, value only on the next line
8:52
